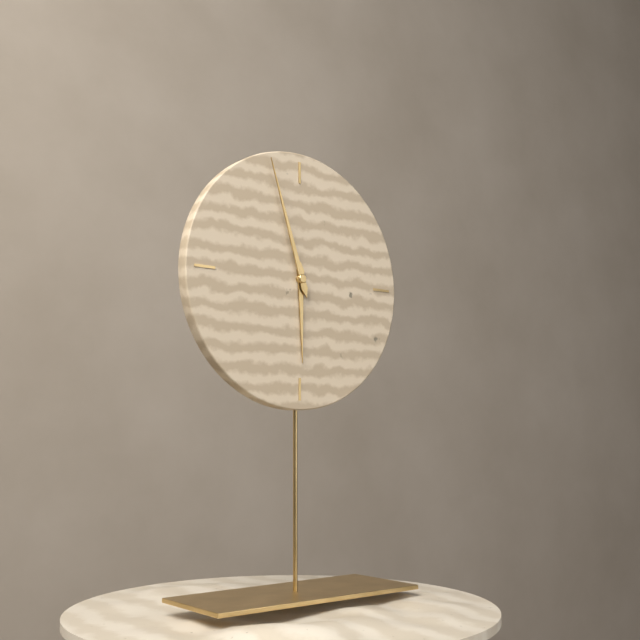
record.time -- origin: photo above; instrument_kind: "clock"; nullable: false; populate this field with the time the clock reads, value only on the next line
5:57
